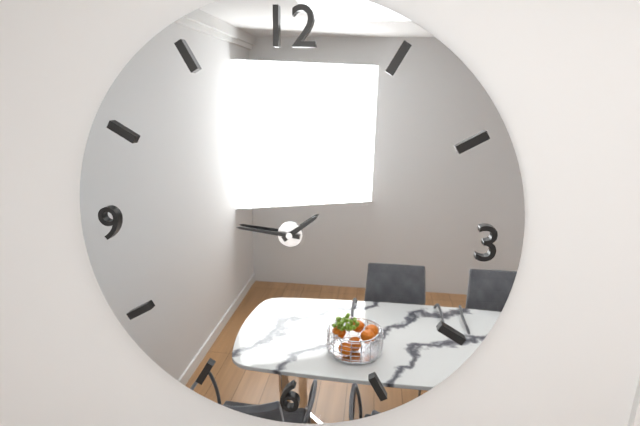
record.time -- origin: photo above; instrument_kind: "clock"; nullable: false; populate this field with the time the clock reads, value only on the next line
1:46
